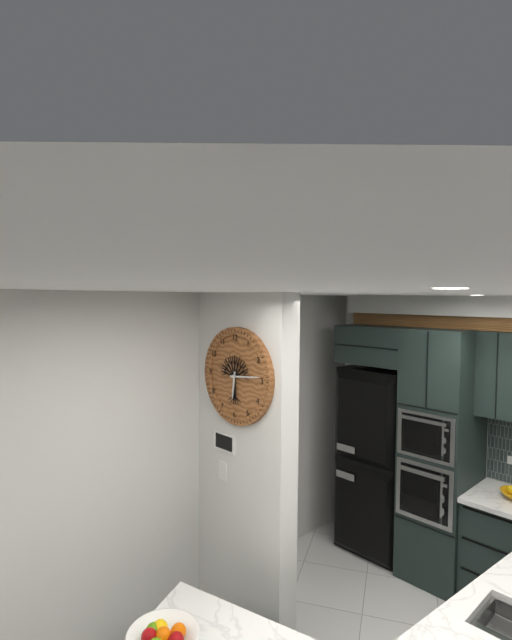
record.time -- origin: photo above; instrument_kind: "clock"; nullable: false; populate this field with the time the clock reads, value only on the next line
6:14
